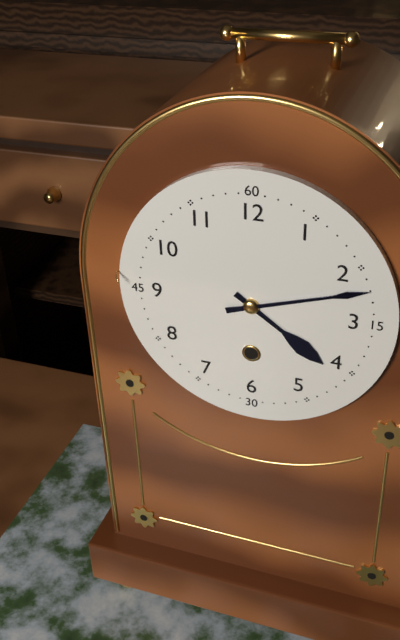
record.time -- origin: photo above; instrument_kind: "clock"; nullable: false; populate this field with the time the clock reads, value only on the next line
4:12
